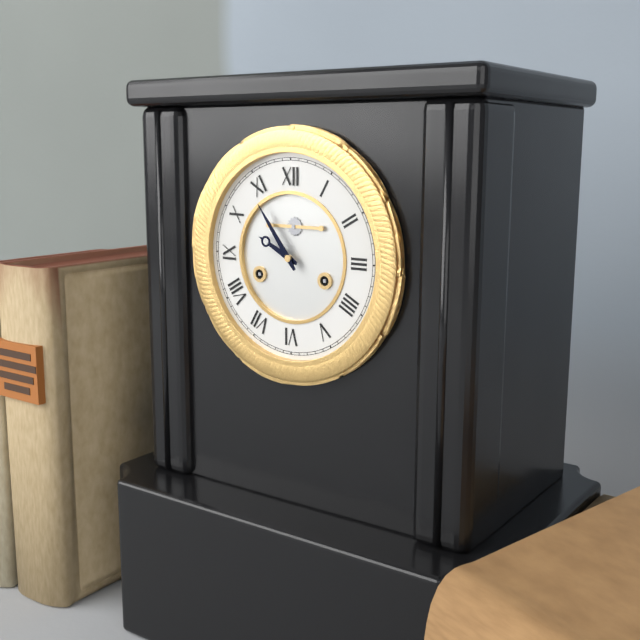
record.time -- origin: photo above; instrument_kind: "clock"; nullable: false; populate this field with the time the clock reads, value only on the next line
9:54
